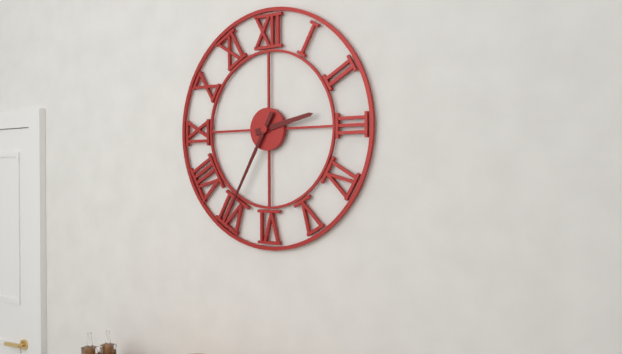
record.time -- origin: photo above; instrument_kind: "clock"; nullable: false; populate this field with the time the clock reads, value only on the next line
2:35
